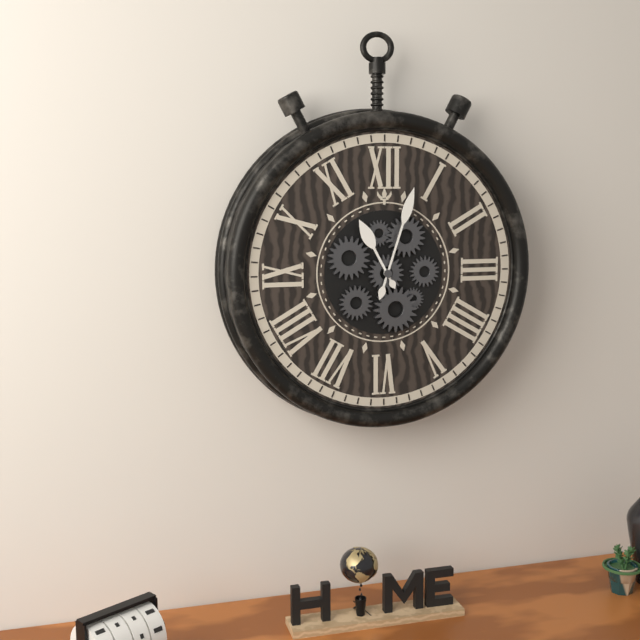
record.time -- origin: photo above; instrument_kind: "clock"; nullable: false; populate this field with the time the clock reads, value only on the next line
11:03
